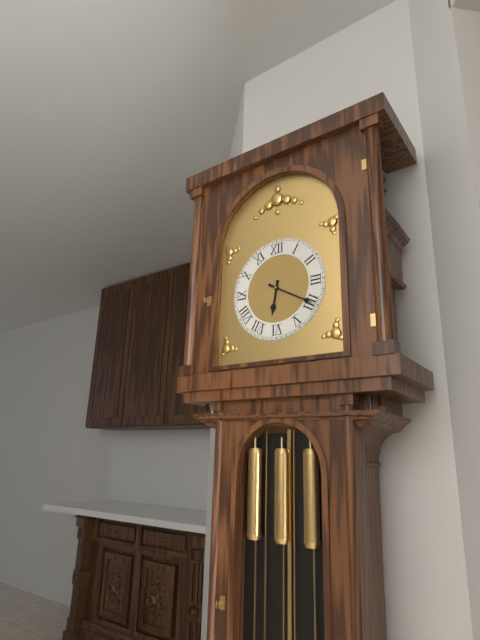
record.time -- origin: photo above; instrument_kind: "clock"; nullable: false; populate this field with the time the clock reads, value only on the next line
6:20
